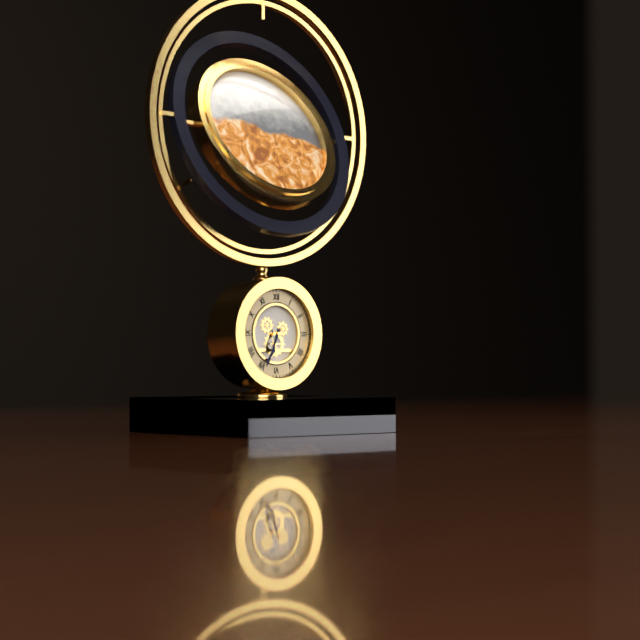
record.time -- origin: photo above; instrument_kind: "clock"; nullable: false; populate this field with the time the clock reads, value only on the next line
6:34
